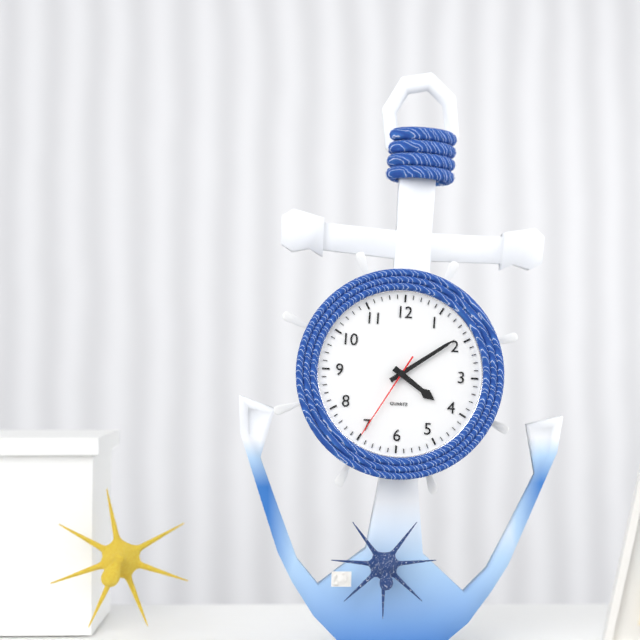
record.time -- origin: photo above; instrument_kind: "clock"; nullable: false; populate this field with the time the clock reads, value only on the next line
4:09:35
